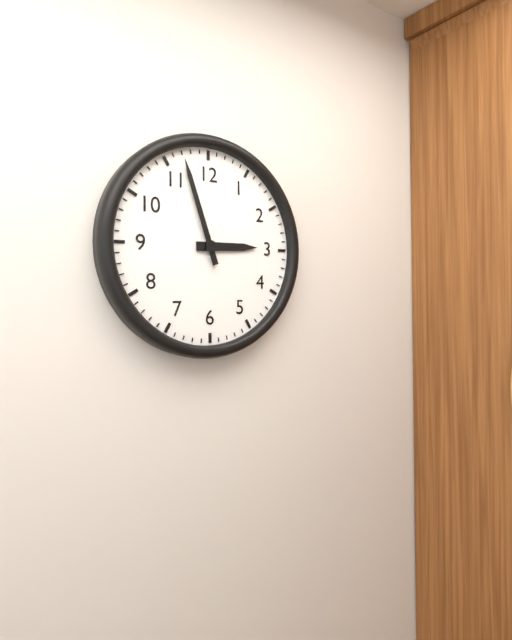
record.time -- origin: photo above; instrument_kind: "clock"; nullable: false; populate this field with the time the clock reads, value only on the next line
2:57
